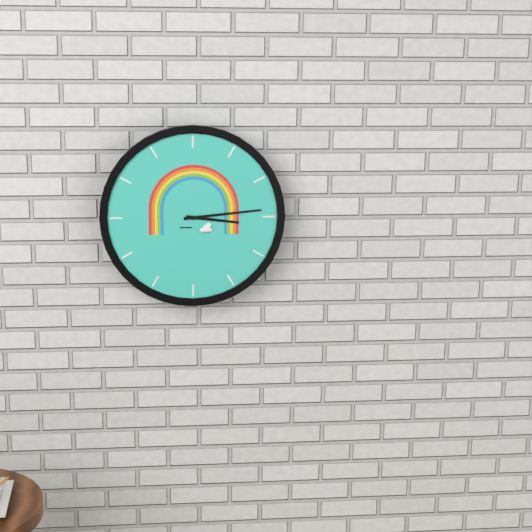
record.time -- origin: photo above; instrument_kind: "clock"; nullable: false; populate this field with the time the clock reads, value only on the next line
3:14
